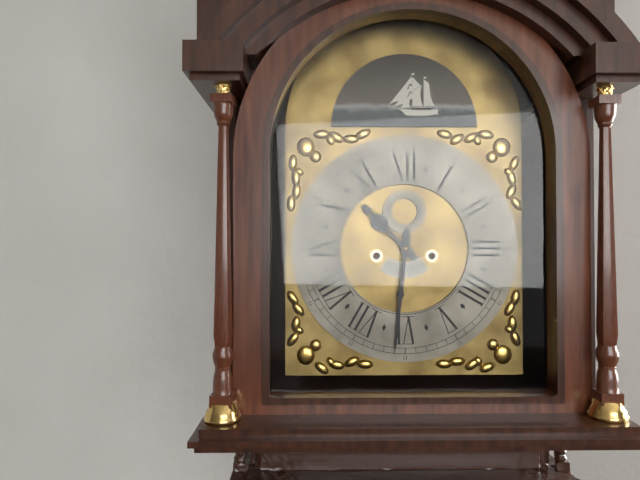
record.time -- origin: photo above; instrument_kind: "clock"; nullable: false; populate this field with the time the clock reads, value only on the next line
10:31
